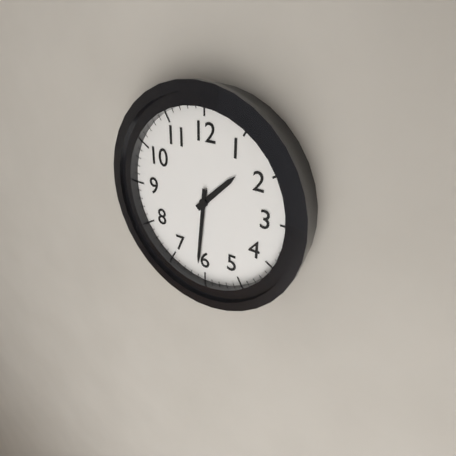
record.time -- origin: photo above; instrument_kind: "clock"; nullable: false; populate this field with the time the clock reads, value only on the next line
1:31
